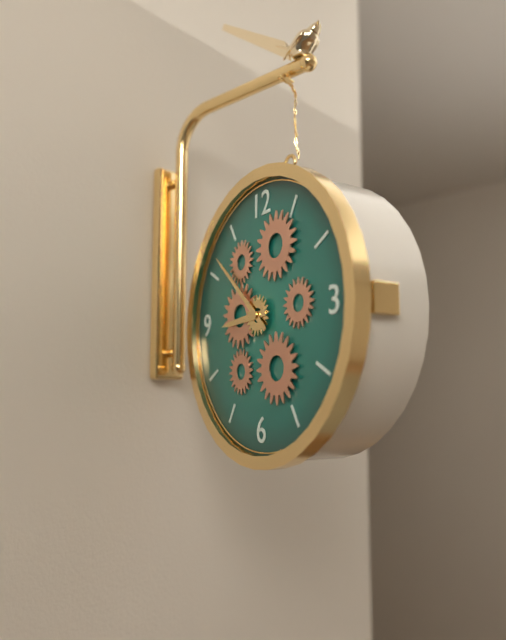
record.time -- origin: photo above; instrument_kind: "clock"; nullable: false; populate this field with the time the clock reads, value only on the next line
8:52
